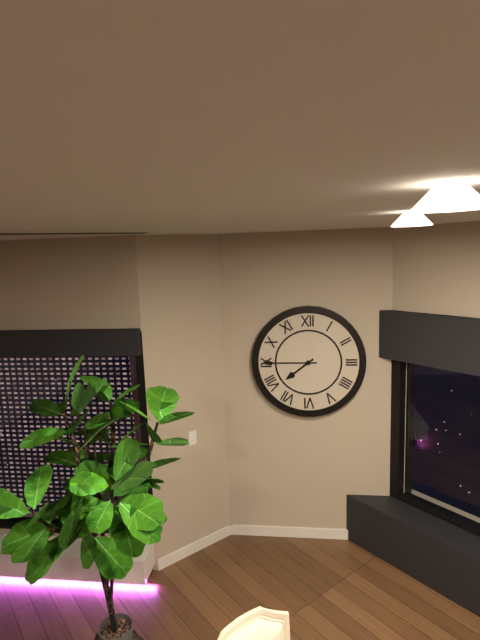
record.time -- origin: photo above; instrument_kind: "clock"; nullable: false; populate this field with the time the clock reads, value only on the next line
7:45
